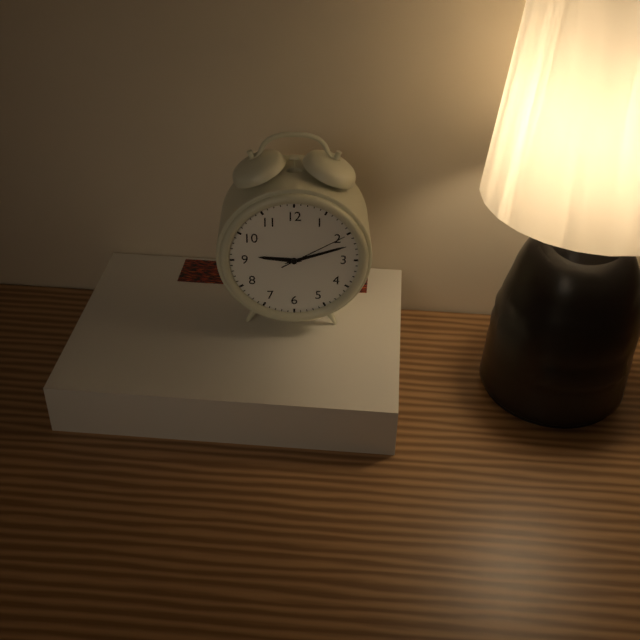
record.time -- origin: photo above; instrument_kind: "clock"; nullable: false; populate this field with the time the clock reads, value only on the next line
9:12:10
